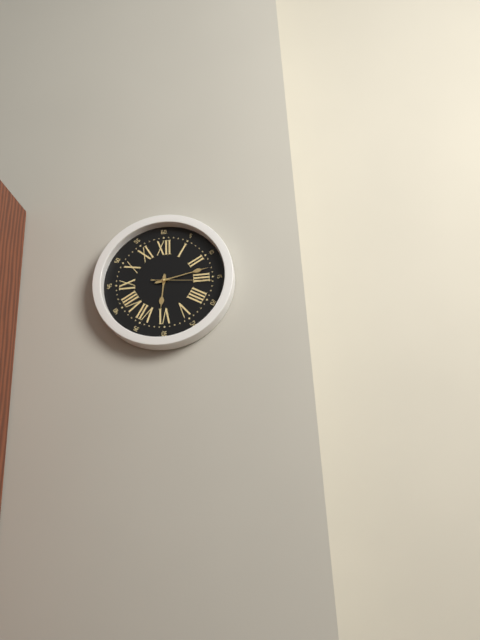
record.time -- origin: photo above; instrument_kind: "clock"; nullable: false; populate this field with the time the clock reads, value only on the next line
6:13:16
